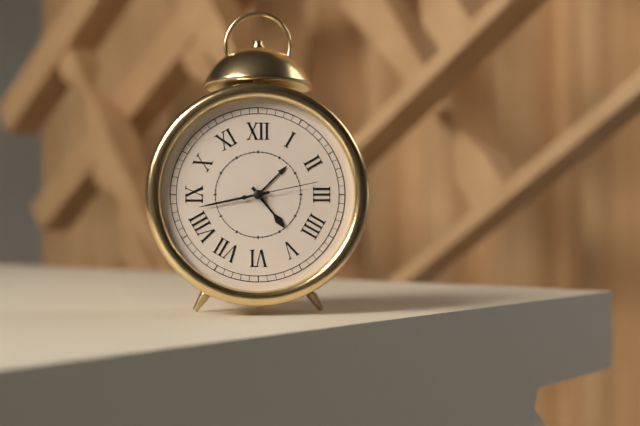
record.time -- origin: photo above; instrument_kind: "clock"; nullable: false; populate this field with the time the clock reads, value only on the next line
4:43:13
